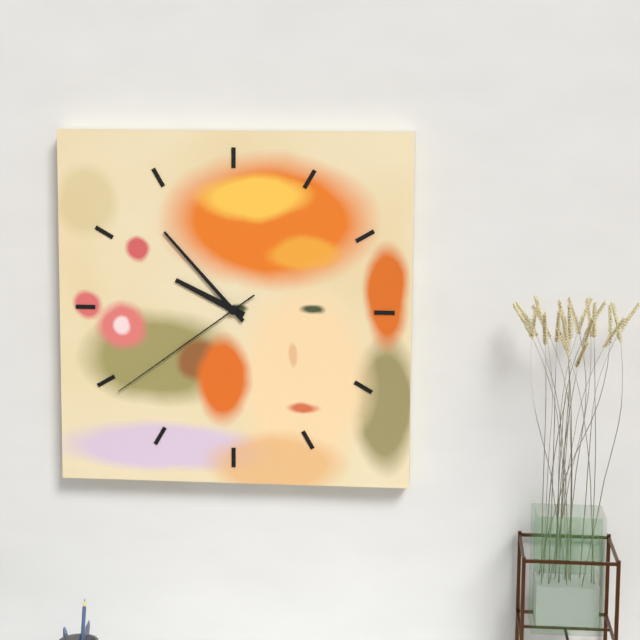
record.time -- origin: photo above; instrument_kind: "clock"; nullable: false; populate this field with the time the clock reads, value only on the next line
9:53:39
